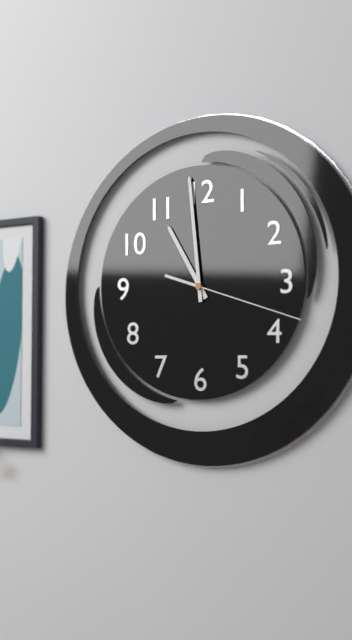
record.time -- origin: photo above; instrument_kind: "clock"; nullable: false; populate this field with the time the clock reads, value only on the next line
10:59:18
